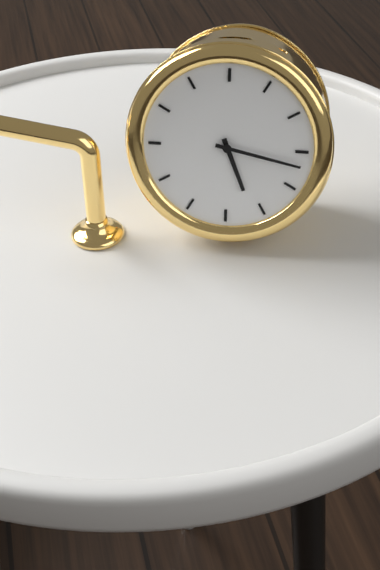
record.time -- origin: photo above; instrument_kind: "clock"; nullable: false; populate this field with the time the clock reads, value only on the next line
5:17
